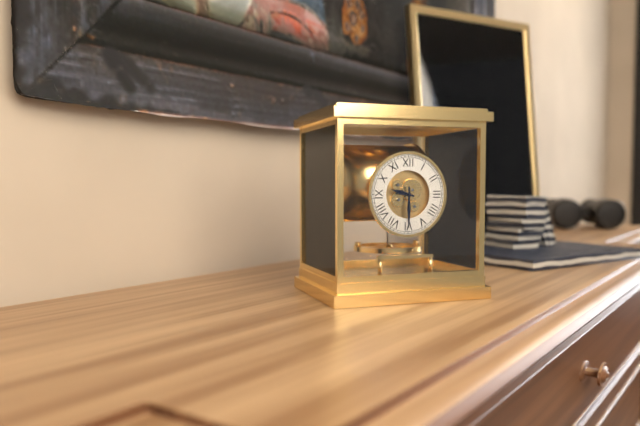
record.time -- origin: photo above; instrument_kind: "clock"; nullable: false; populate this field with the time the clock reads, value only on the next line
9:30
